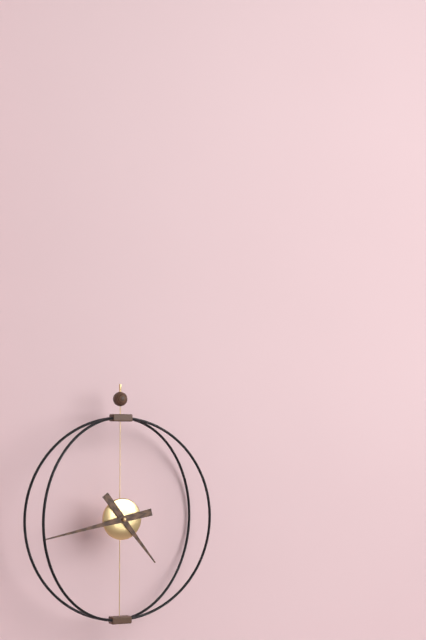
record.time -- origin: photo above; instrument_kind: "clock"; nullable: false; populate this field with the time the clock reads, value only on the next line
4:43
